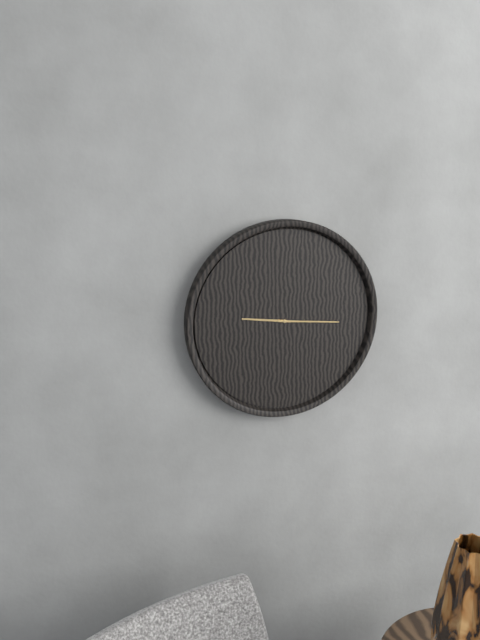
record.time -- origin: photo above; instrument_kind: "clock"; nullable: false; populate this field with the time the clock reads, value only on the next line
9:16
